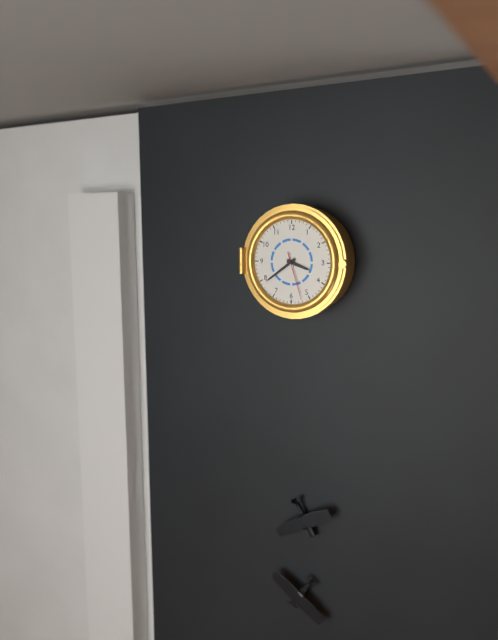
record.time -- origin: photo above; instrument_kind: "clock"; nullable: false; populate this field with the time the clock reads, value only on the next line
3:39
